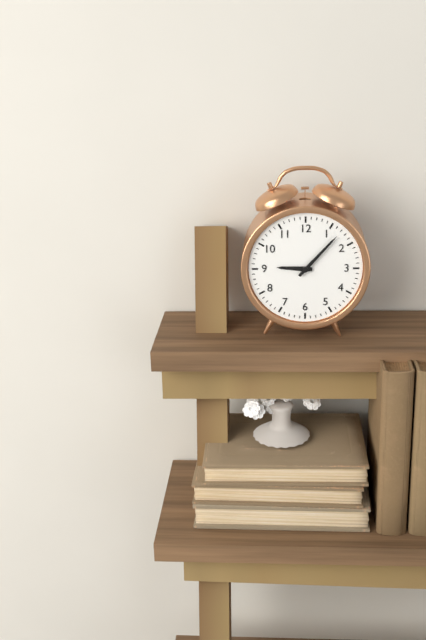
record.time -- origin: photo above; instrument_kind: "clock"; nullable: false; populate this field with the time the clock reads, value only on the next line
9:07
